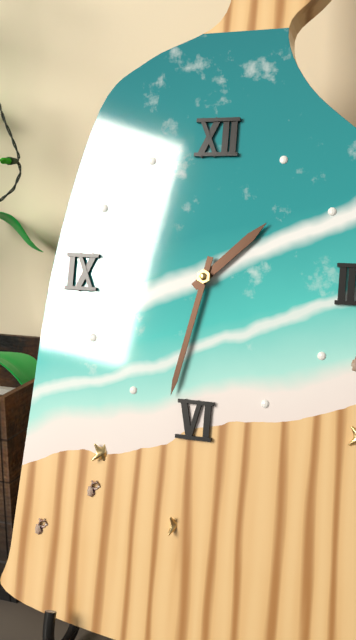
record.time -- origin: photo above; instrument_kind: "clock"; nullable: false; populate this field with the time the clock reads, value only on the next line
1:32
